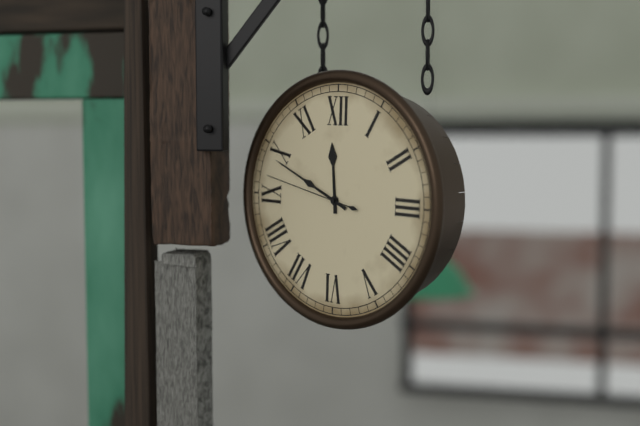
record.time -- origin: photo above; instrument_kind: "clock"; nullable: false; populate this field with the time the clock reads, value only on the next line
11:49:47
